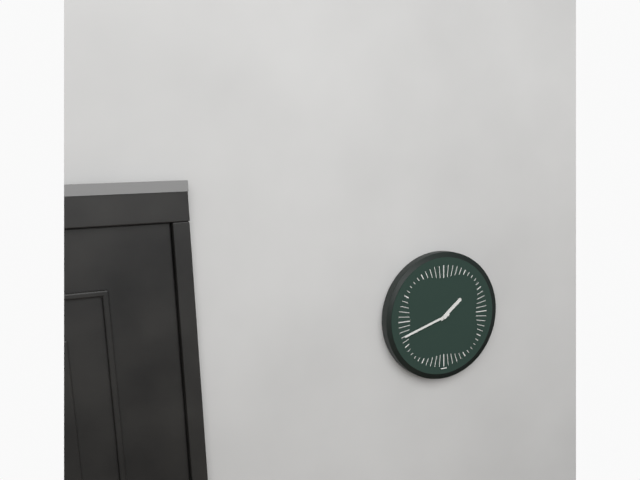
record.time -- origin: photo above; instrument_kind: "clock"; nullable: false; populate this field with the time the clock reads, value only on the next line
1:42
